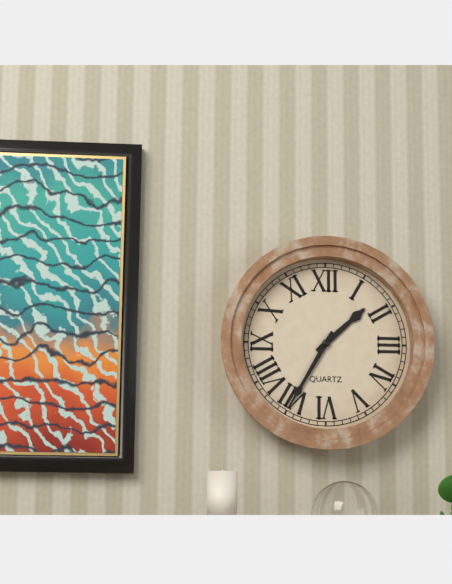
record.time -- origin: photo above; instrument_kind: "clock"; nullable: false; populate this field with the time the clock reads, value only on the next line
1:35
